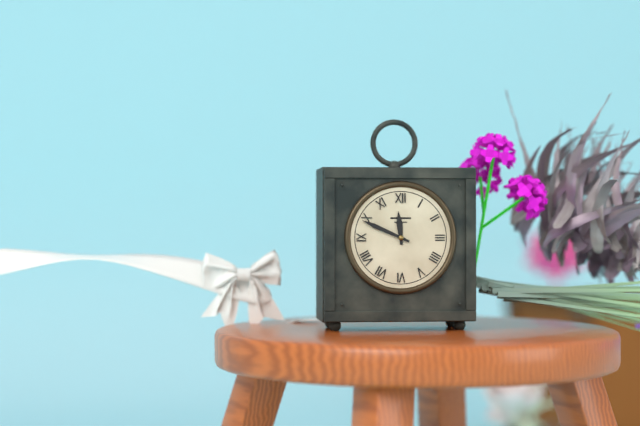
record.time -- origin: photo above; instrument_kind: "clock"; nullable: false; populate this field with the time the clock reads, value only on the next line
11:49
